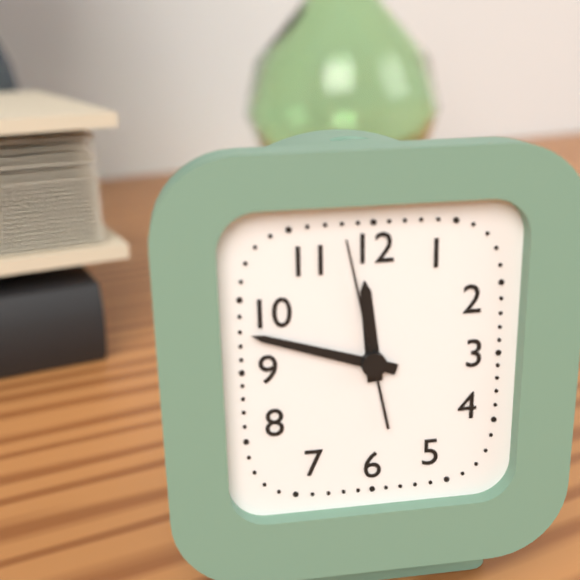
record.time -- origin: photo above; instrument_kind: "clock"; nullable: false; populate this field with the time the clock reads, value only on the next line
11:48:58
